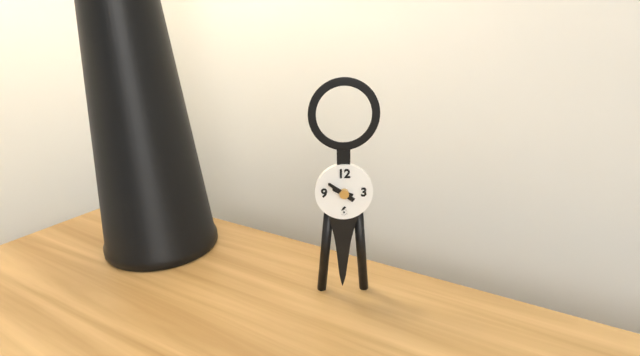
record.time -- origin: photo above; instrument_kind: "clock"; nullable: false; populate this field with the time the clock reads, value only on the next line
9:51
